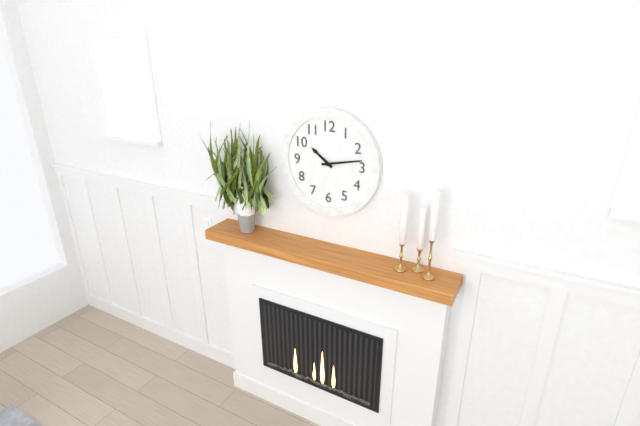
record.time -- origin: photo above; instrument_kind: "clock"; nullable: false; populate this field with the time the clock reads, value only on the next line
10:13
